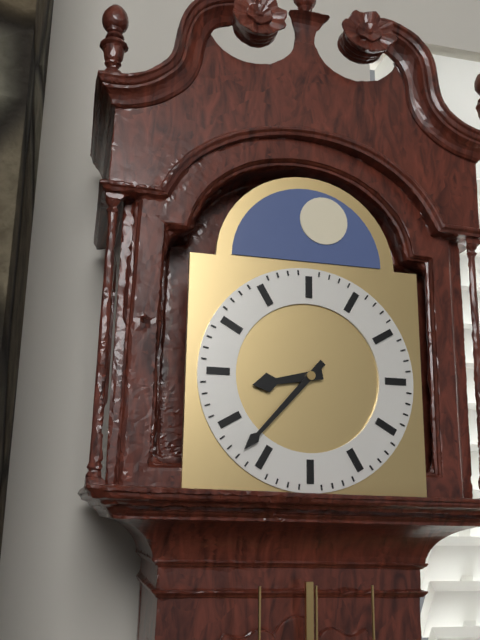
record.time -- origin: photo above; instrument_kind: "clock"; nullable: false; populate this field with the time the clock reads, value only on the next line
8:37
